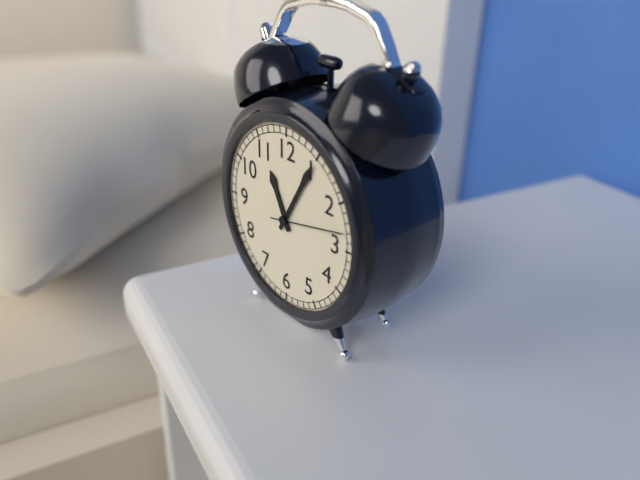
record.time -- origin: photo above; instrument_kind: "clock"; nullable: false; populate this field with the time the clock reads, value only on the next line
11:05:13
